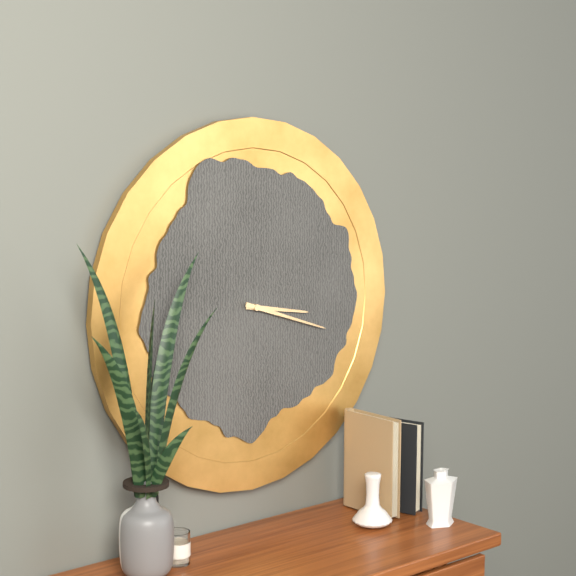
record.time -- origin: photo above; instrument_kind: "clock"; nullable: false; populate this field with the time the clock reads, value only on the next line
3:18
